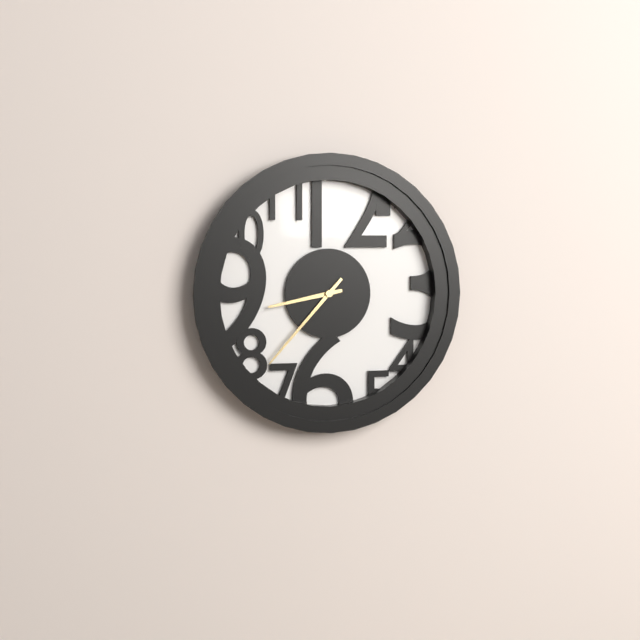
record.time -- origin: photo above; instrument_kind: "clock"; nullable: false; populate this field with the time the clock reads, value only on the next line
8:37
